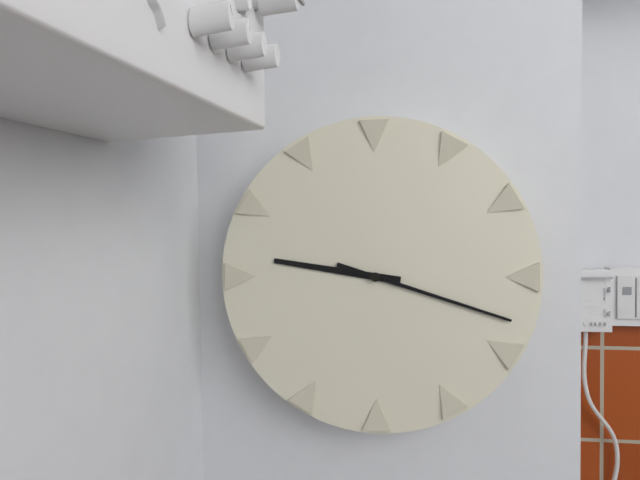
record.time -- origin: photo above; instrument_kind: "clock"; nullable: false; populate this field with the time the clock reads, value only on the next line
9:18
